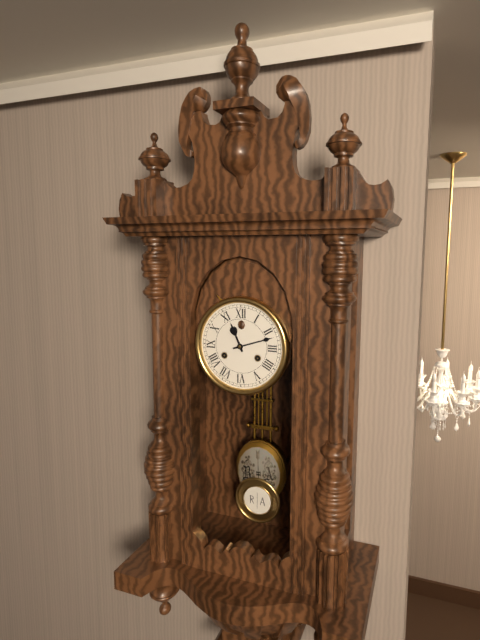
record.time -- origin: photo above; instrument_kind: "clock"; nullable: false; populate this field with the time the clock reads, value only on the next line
11:12
